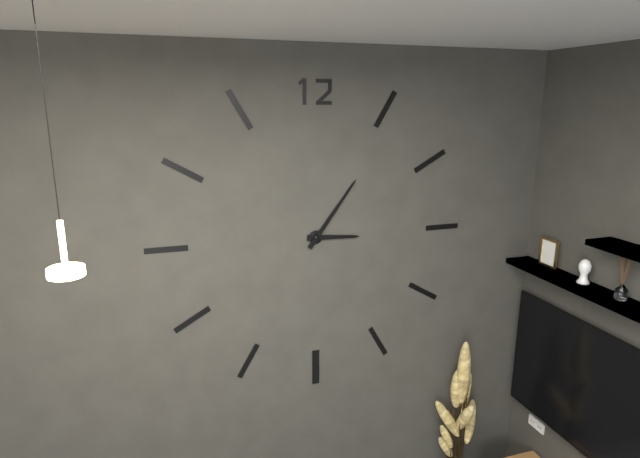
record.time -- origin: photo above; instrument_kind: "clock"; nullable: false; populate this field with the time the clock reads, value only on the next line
3:06
